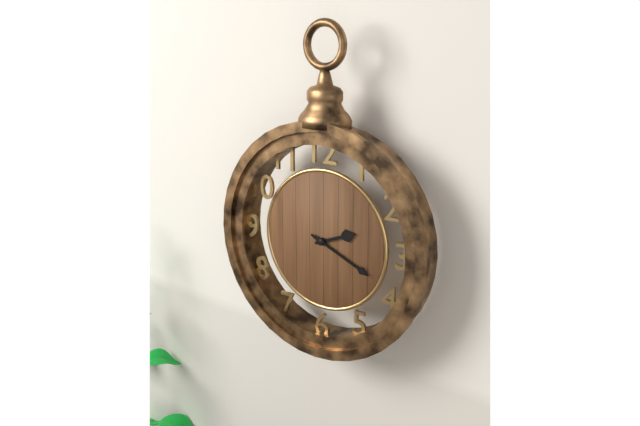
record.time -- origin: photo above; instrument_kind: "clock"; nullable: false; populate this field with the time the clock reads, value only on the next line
2:19
